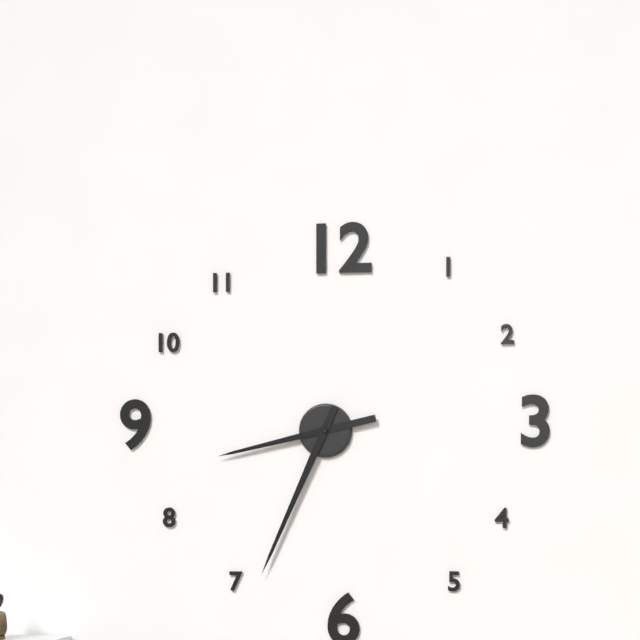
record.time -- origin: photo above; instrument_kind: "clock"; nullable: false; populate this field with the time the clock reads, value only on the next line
8:34
